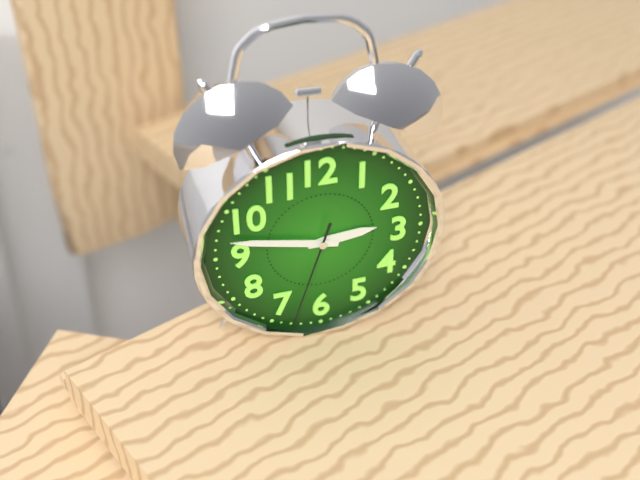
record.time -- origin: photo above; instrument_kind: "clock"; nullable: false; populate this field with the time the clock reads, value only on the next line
2:47:33
